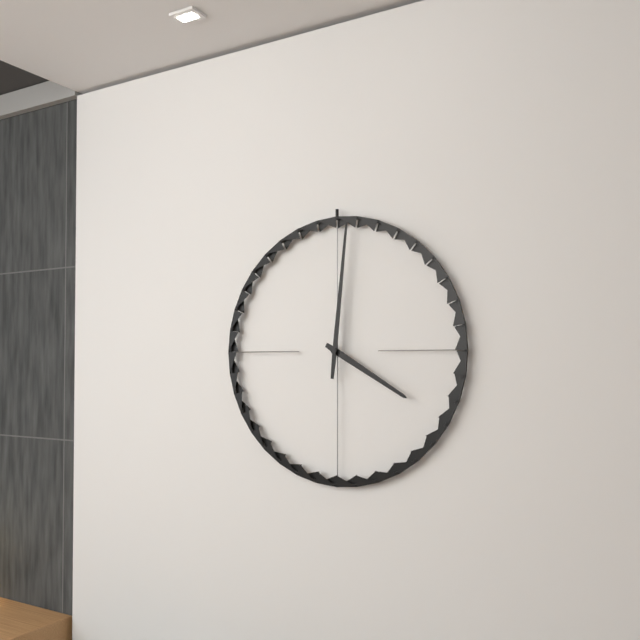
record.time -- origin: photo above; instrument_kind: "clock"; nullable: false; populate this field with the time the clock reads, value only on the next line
4:01
